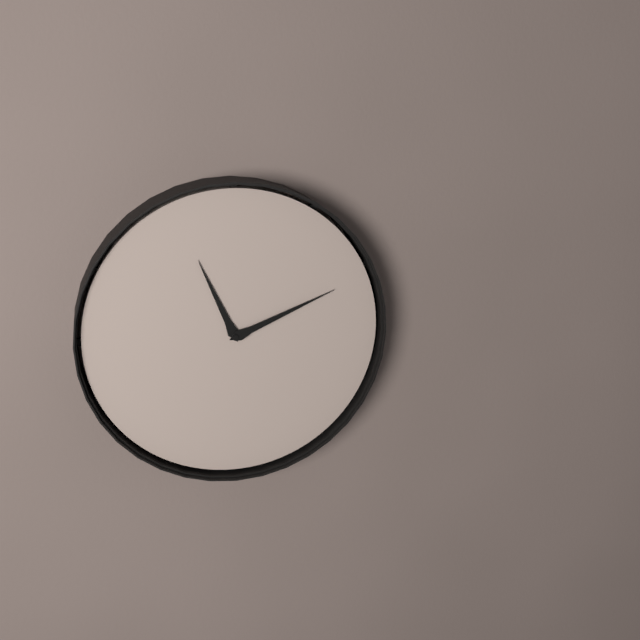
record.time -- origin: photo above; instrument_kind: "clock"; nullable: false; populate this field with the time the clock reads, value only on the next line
11:11
